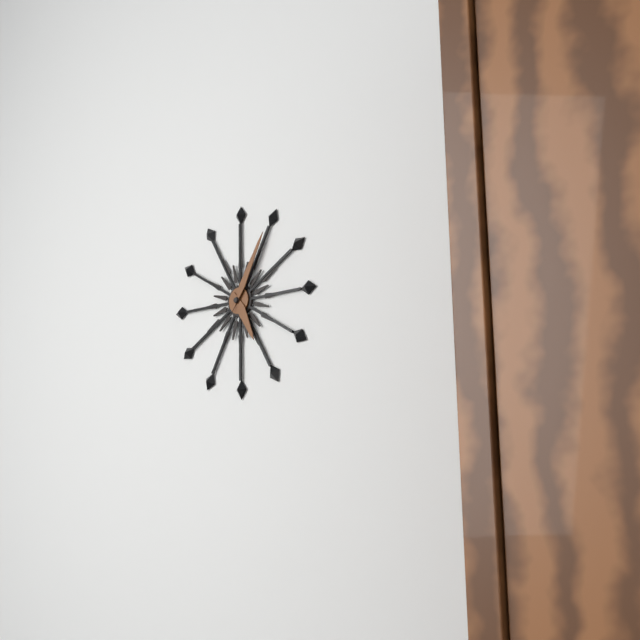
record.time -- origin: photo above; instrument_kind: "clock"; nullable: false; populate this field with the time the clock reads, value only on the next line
5:05
